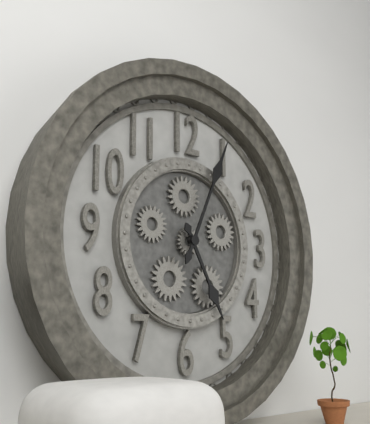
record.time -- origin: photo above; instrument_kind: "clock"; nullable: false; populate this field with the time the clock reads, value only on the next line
5:04
